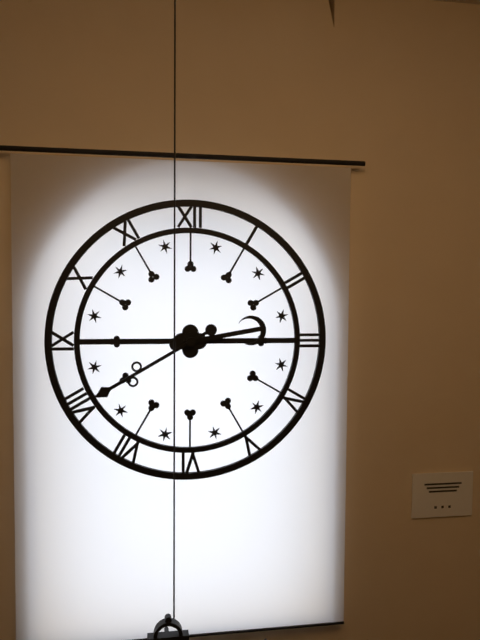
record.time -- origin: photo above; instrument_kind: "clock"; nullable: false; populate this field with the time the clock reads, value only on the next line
2:40
